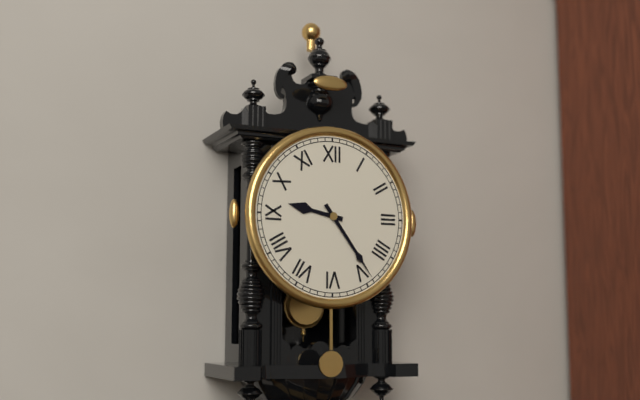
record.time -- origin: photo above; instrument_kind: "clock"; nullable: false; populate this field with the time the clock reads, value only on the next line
9:24
